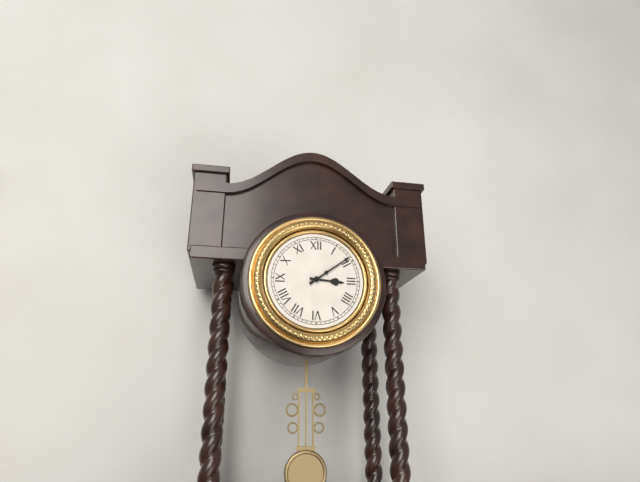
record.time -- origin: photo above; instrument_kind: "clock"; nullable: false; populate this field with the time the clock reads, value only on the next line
3:09
